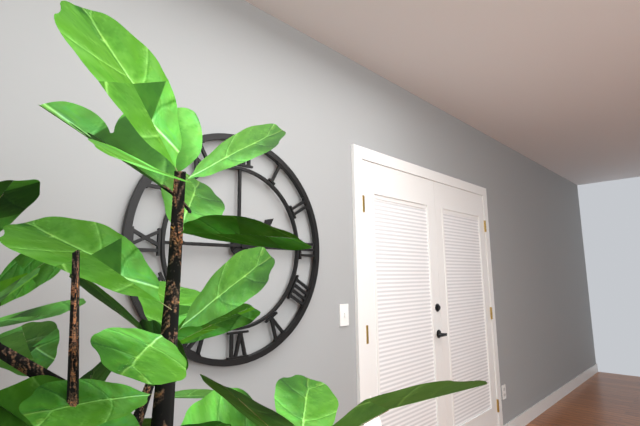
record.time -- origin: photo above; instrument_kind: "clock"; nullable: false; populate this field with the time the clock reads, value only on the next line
1:45
